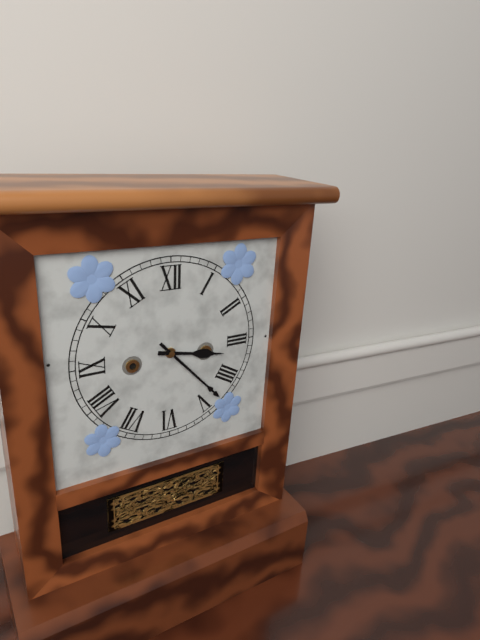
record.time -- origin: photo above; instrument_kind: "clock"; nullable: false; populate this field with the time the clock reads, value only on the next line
3:23
